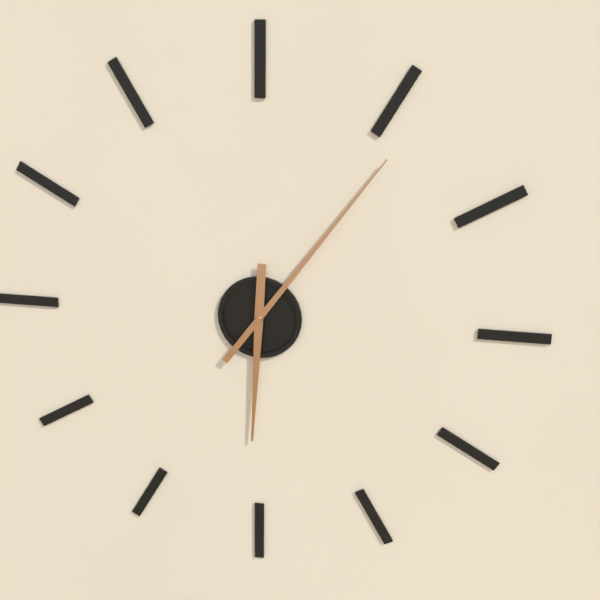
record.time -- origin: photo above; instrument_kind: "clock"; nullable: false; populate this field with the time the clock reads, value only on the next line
6:06
